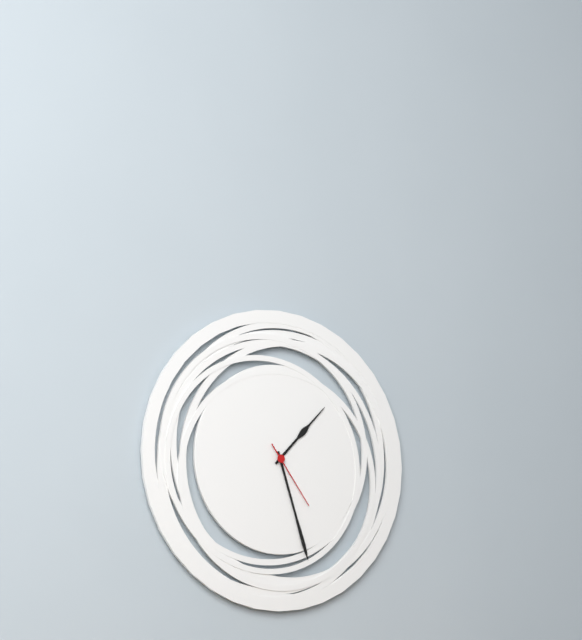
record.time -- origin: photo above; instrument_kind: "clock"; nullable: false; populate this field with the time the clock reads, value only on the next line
1:27:24
